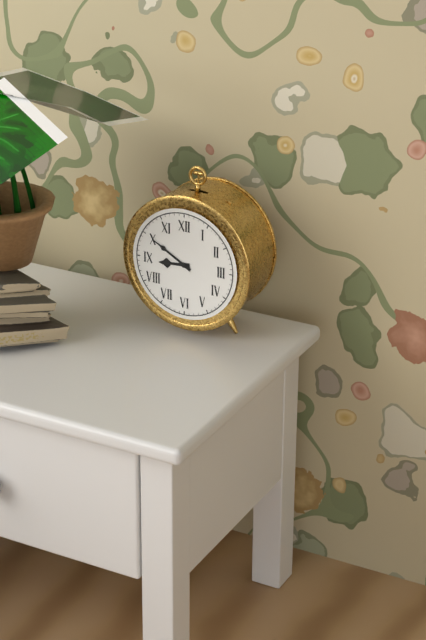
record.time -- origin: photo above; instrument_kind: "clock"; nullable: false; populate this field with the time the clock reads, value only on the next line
8:50
